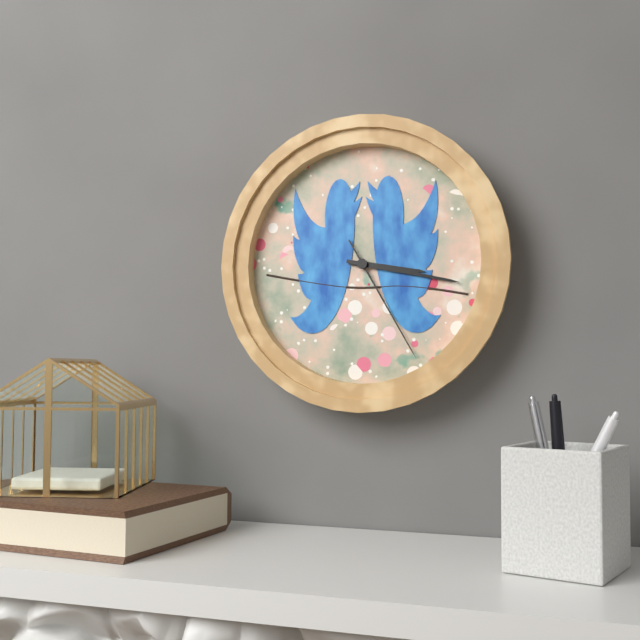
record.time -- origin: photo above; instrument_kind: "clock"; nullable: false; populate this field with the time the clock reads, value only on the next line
3:17:25
